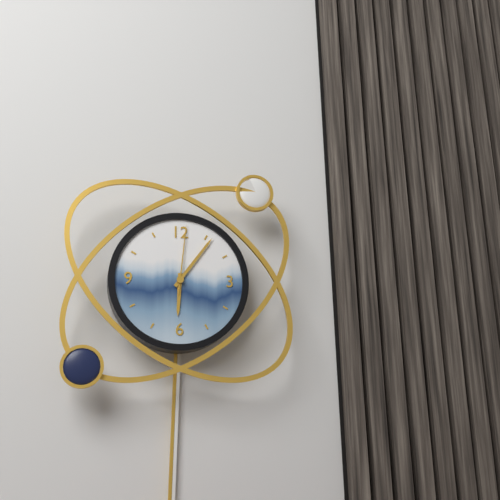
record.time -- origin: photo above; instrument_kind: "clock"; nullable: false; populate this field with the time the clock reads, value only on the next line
6:06:01
